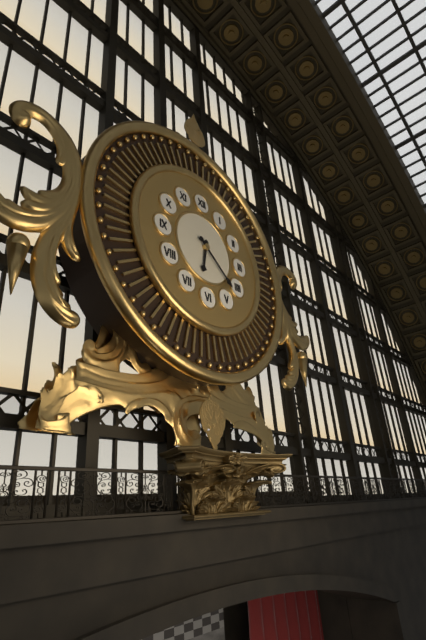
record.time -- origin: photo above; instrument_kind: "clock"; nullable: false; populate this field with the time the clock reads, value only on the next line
6:22
